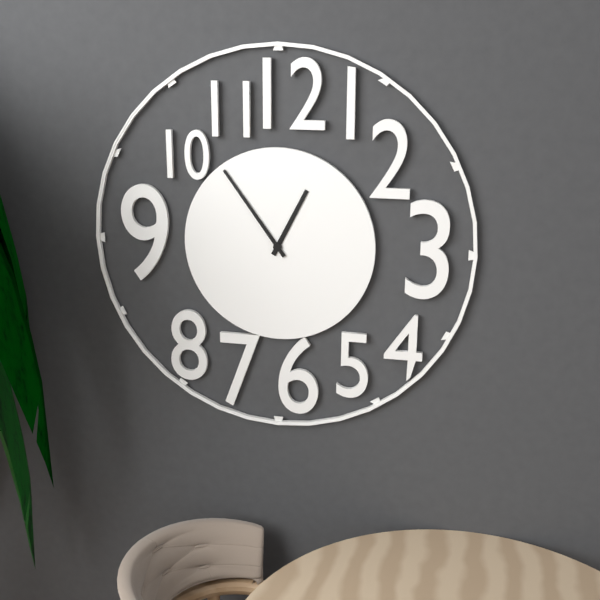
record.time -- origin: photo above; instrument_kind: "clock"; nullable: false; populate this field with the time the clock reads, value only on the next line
12:54
